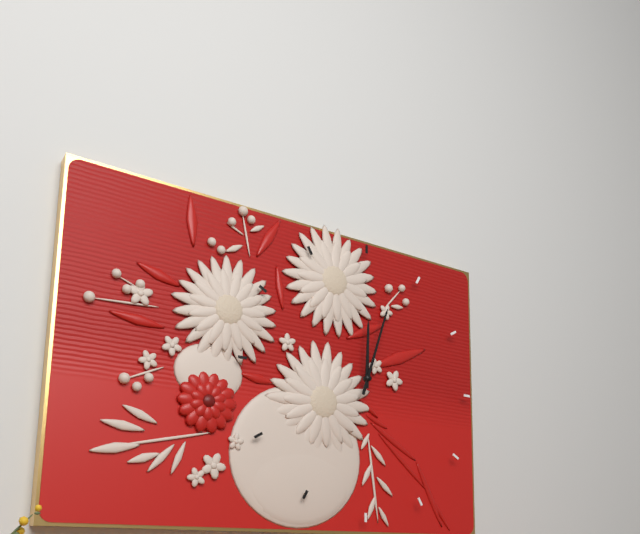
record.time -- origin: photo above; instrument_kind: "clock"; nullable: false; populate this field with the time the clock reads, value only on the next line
12:03
